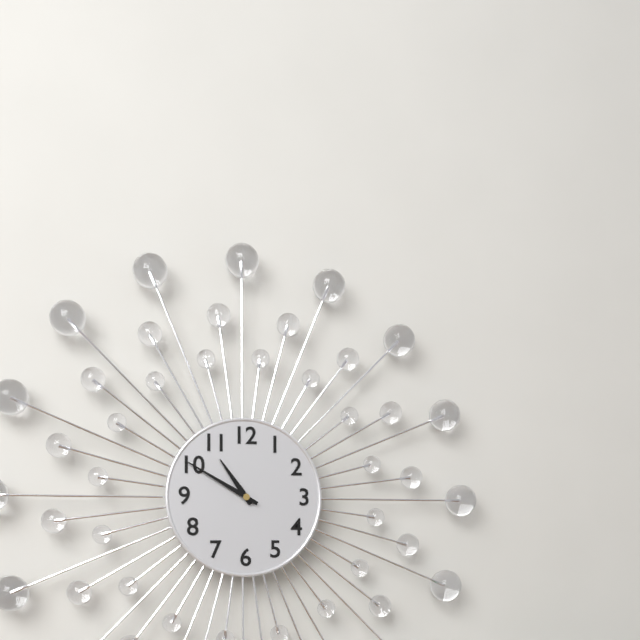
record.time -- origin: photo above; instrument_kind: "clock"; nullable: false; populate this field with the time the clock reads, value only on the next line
10:50
